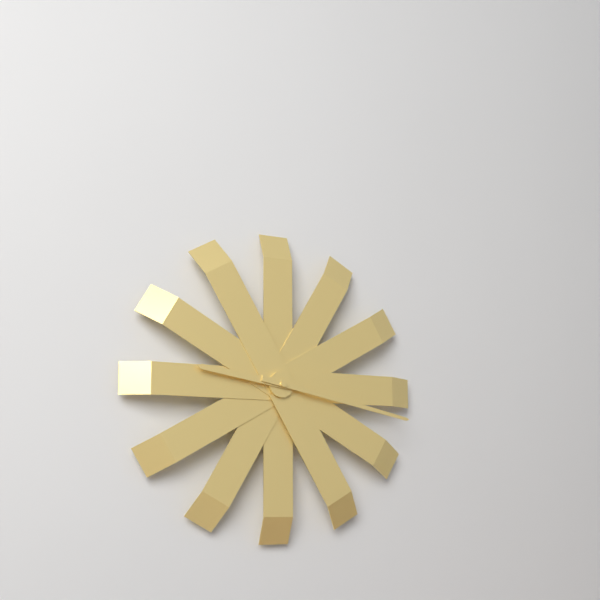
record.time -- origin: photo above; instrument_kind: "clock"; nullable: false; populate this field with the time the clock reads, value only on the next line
9:17
